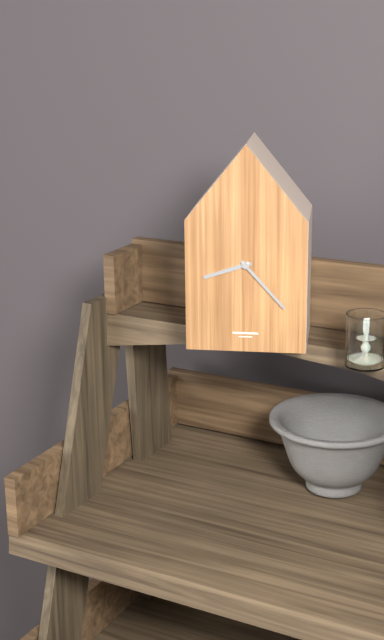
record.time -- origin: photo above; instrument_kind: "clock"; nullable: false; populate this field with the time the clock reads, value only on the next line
8:23
